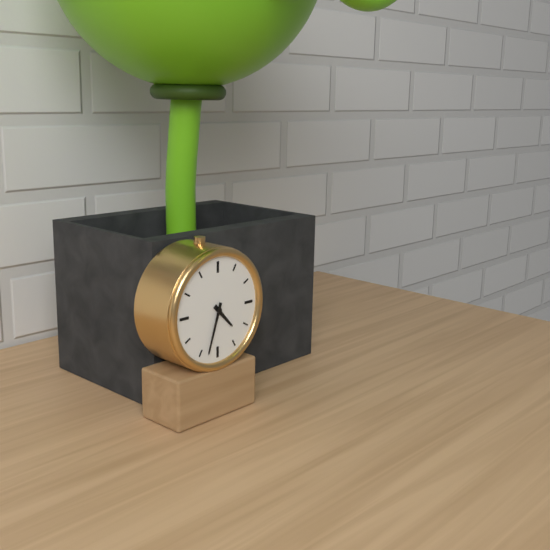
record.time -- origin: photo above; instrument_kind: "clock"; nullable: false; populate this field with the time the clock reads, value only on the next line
4:33
